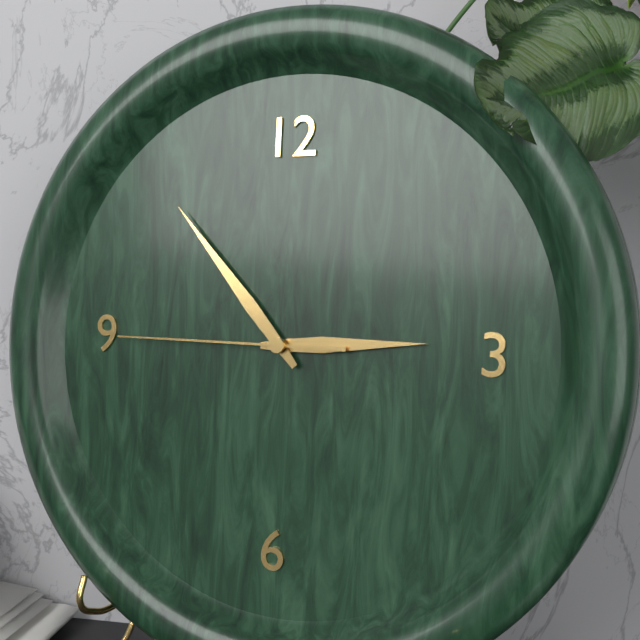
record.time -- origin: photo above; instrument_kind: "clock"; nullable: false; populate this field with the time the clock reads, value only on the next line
2:53:45
